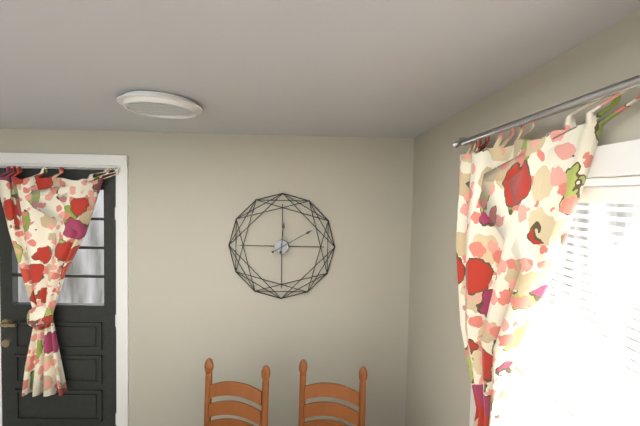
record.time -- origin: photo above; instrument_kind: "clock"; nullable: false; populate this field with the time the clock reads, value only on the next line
12:10
